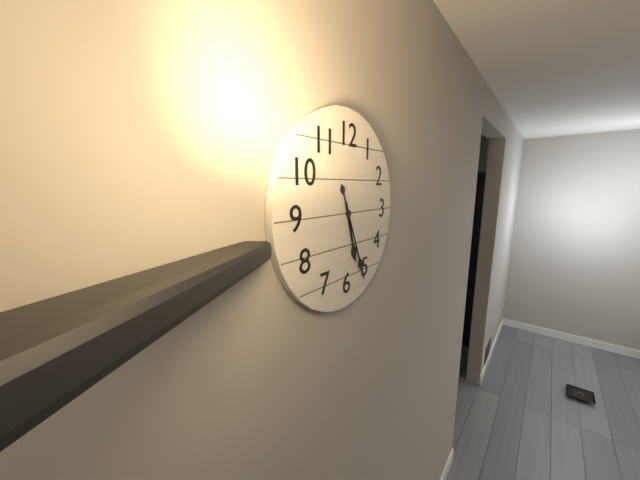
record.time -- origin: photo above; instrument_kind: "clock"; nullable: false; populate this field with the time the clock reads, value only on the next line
5:26
